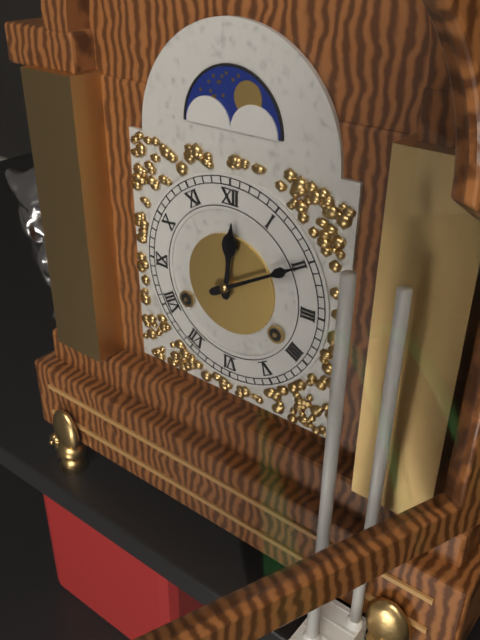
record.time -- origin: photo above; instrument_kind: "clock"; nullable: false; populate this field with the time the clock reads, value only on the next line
12:10
